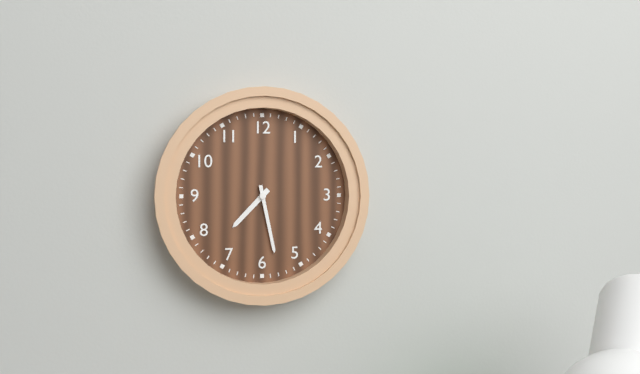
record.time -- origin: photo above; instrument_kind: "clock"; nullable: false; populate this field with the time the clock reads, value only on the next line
7:28
